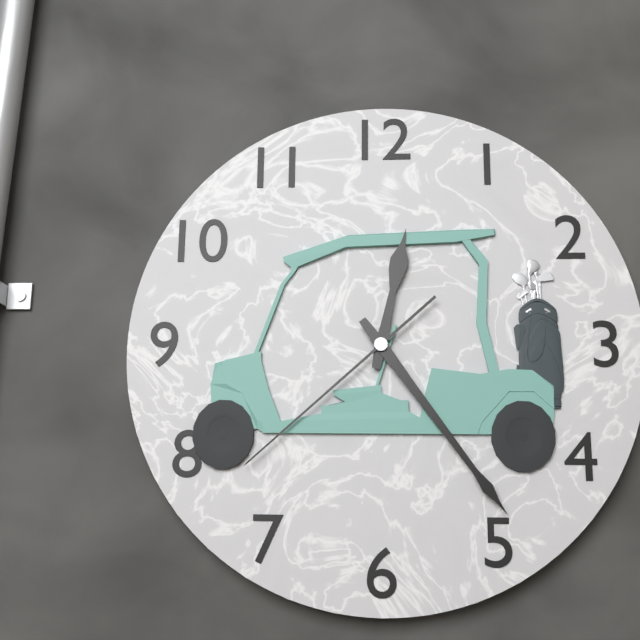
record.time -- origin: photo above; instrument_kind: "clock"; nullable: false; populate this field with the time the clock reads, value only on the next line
12:24:38
